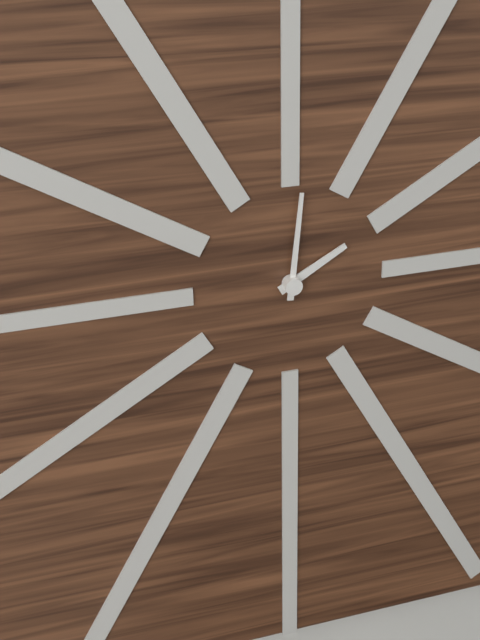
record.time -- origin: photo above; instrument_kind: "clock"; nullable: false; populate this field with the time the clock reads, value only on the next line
2:01
